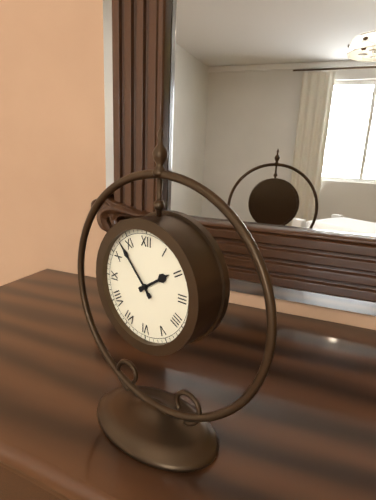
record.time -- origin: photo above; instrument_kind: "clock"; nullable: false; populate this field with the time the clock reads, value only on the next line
1:53
